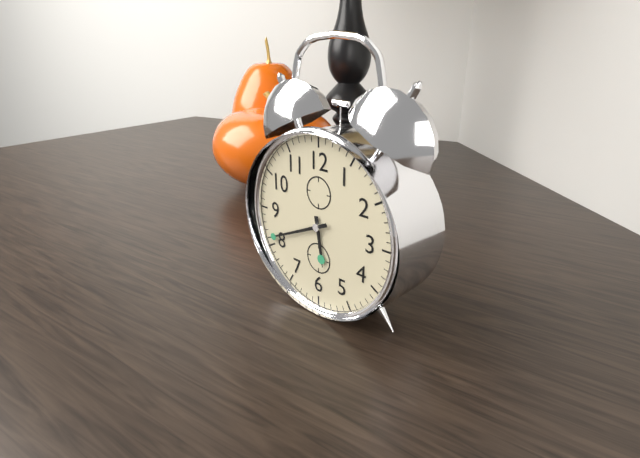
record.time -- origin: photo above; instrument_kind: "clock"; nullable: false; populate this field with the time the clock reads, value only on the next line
5:41
